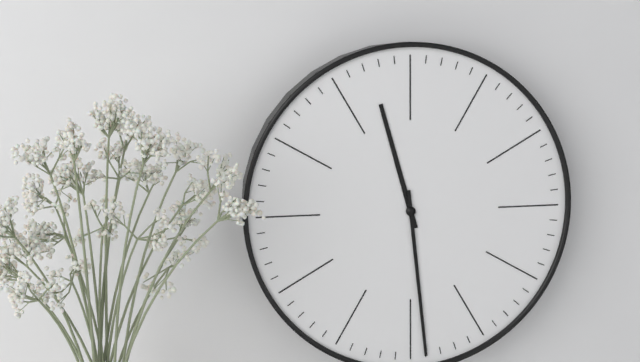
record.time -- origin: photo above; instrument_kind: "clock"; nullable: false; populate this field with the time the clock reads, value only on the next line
11:29
